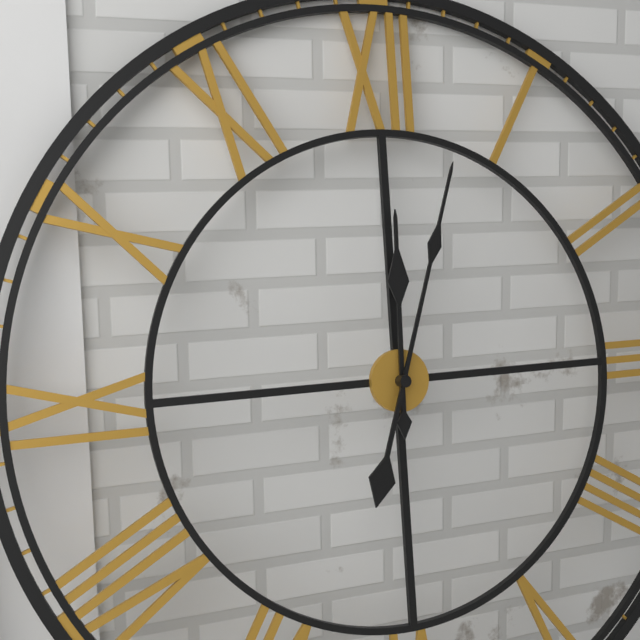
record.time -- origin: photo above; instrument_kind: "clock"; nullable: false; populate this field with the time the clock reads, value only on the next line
12:03
